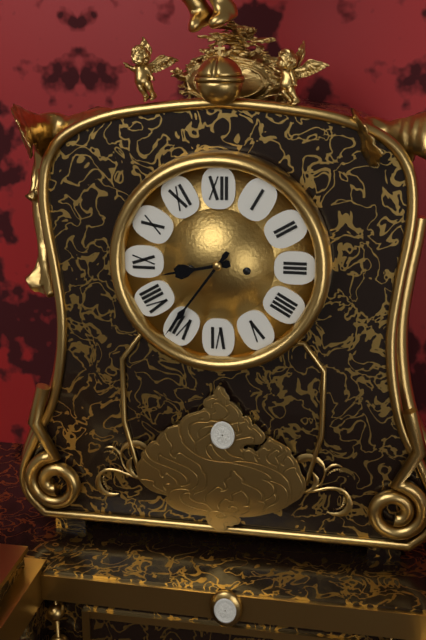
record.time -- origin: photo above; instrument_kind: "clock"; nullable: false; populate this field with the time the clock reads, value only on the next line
8:36
